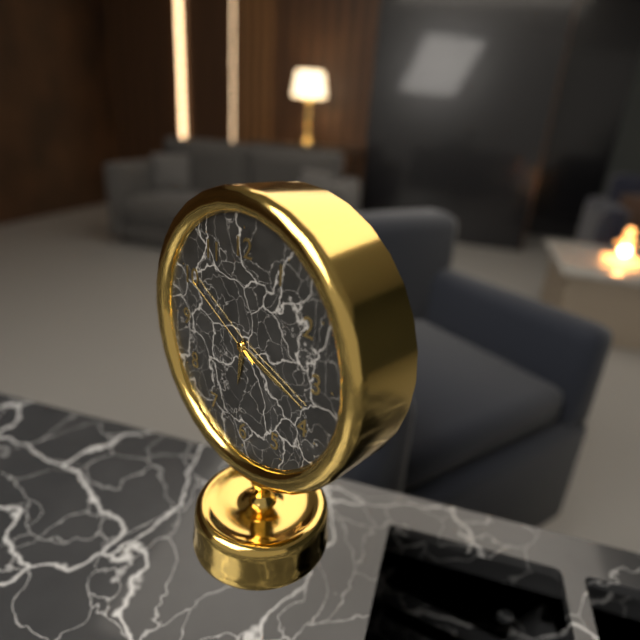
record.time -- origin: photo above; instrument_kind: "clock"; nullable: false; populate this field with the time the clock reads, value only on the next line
6:18:50
